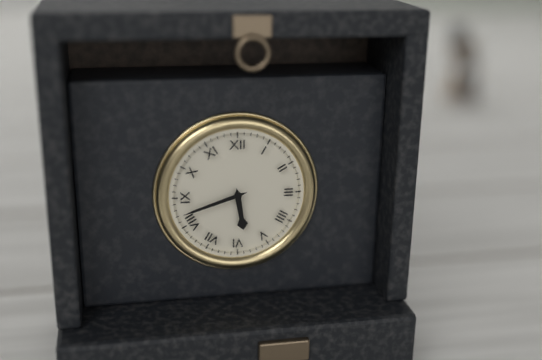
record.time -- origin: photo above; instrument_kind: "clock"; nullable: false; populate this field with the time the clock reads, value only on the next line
5:42
